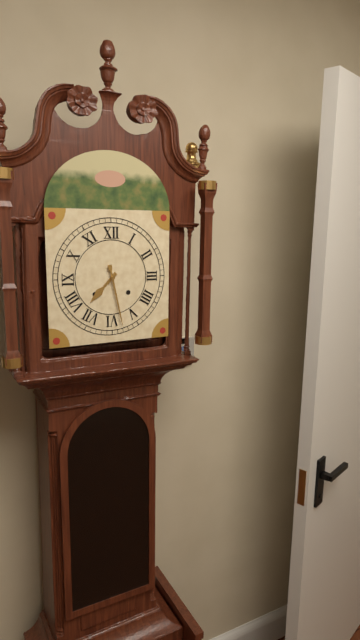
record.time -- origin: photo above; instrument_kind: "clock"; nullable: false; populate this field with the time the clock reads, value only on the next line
7:28
